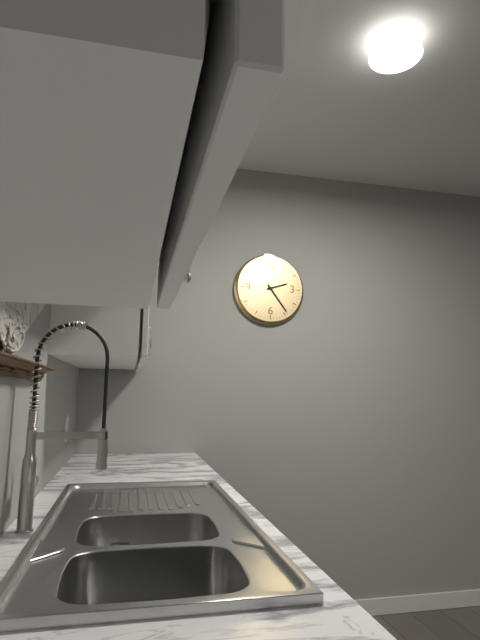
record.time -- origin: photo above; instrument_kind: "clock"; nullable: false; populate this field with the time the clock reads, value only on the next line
2:24
